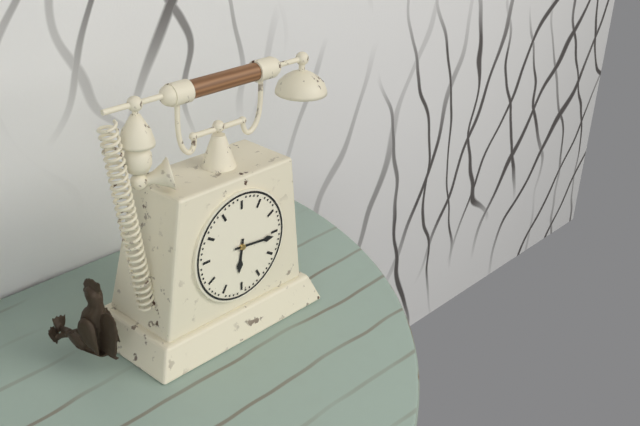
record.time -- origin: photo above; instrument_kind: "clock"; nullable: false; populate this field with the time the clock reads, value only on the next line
6:16
